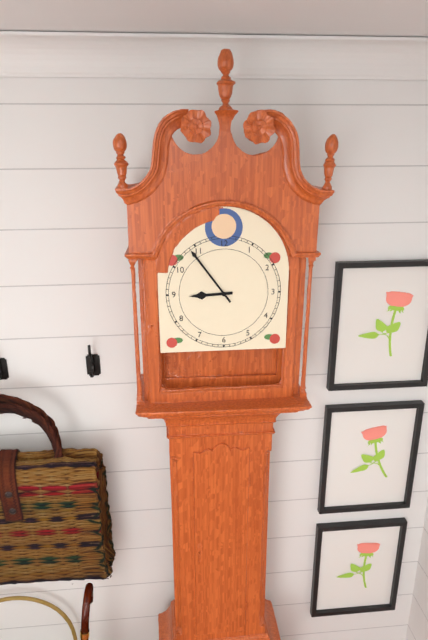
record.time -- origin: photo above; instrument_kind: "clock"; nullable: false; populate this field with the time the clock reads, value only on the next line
8:54
